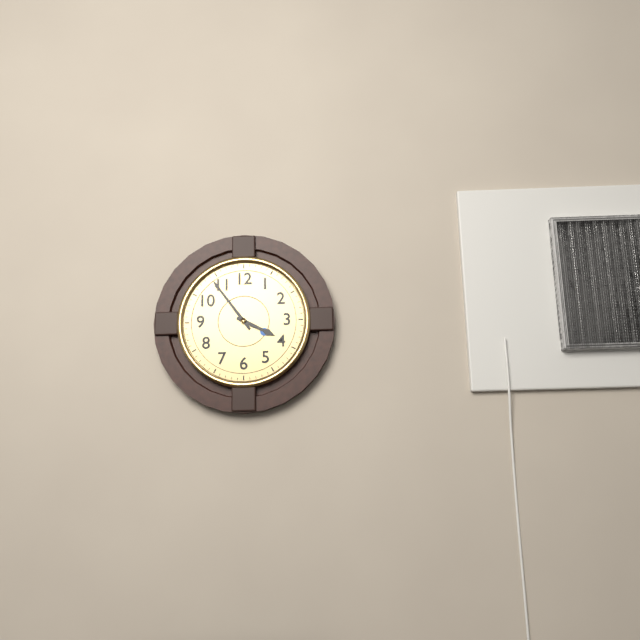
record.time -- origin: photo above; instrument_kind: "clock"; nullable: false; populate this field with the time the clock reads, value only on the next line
3:54
